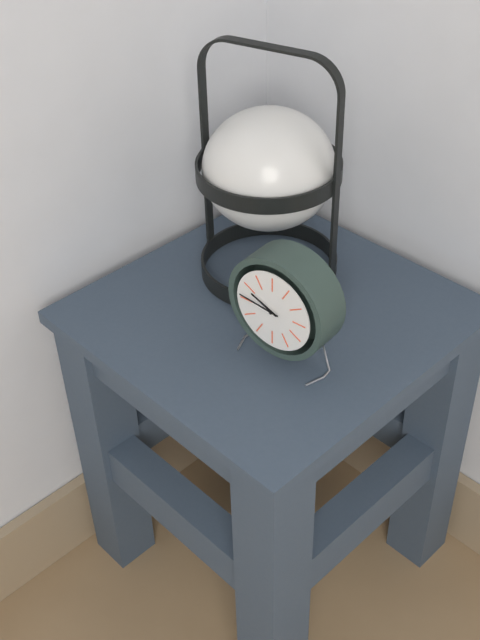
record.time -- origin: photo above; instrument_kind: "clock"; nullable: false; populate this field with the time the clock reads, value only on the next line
9:46
